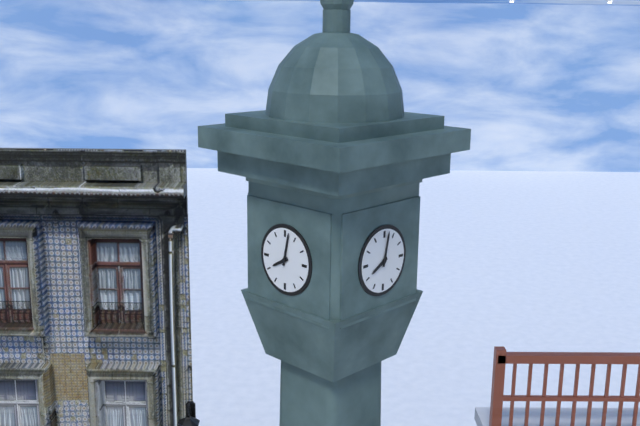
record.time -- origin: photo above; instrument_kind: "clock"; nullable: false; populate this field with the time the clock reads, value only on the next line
8:02
